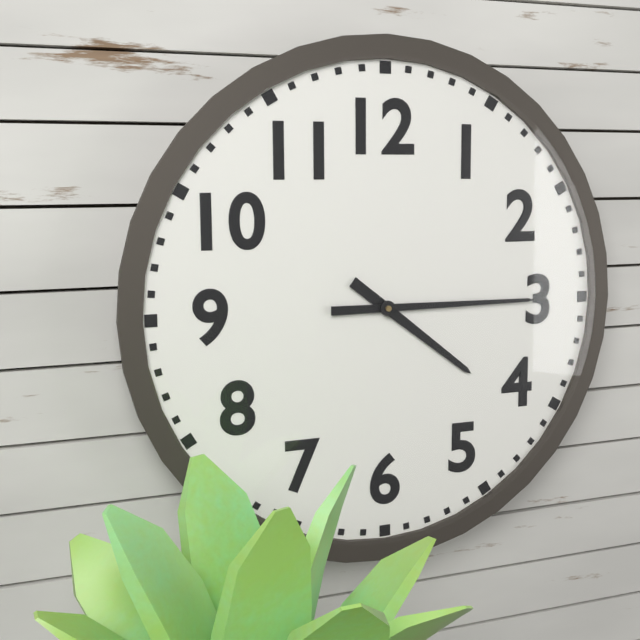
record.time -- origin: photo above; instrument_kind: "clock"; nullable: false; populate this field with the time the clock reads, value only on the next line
4:15
